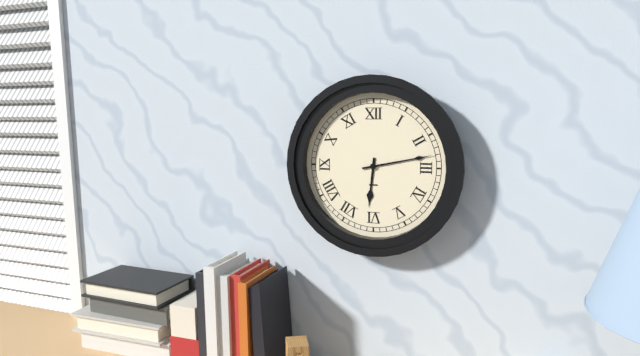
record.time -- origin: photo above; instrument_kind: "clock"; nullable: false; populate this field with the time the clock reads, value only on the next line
6:13
